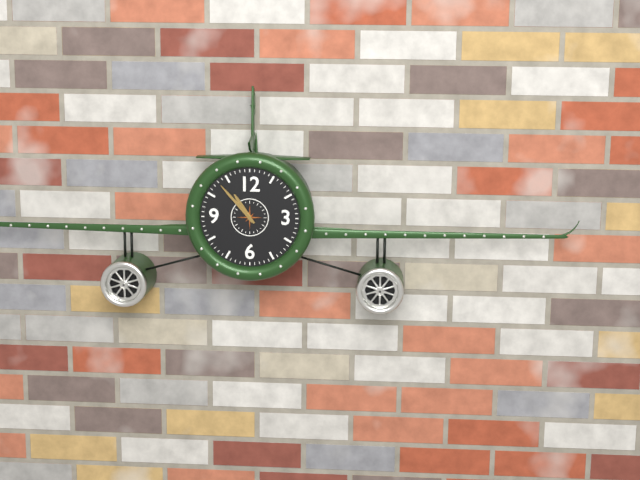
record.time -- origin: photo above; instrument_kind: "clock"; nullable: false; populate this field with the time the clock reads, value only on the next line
10:53
